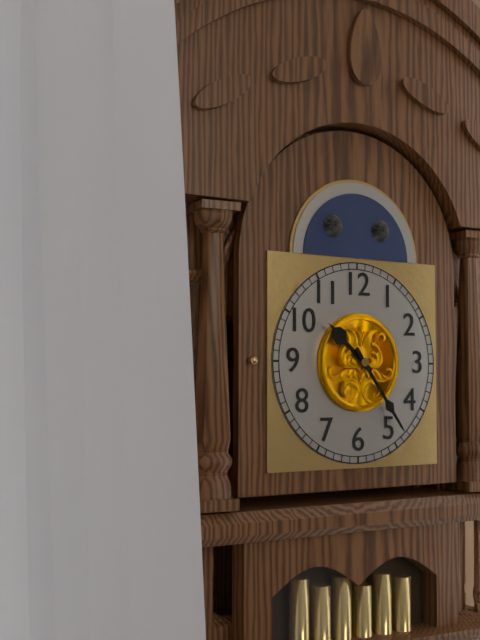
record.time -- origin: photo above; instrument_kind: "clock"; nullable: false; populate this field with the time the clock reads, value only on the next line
10:24
